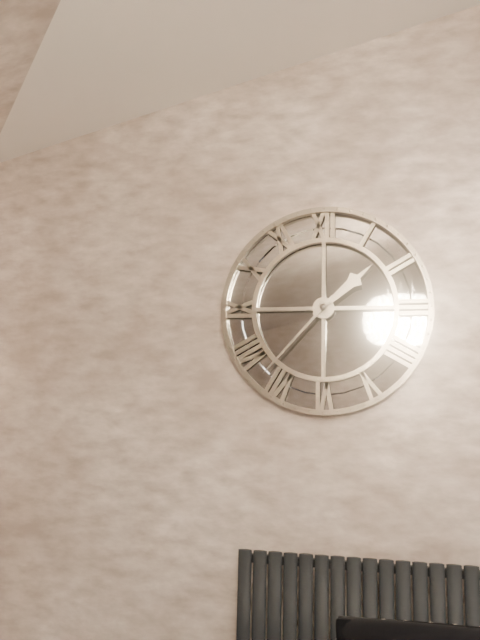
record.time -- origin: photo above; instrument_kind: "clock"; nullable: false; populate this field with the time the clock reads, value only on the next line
1:37
